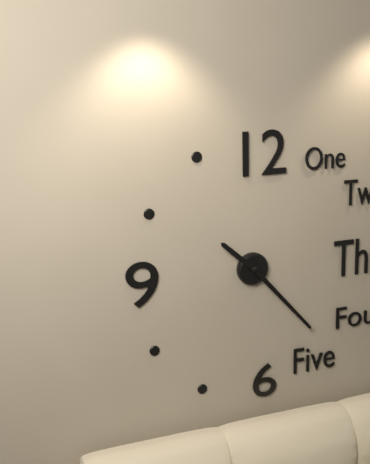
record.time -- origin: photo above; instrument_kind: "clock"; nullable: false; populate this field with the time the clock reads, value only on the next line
10:23
